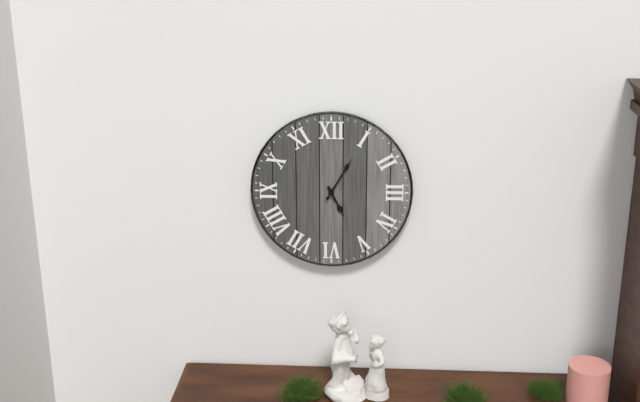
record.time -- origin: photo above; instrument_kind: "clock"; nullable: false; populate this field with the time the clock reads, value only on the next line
5:05
